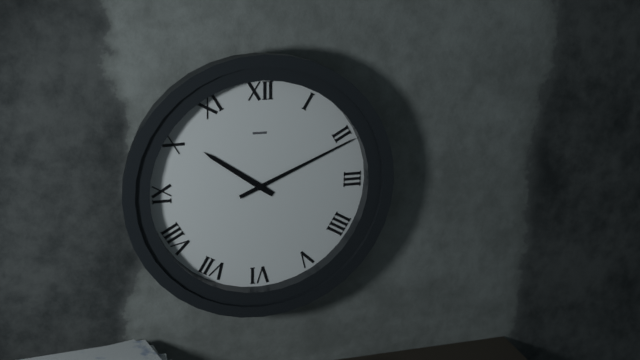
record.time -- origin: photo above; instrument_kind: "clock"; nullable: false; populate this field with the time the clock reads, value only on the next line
10:11
